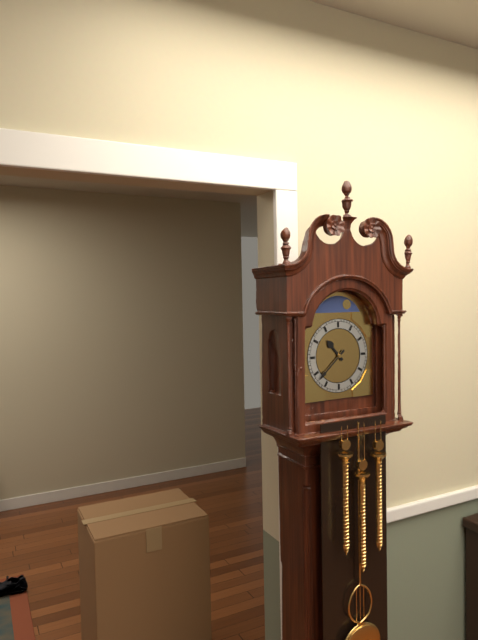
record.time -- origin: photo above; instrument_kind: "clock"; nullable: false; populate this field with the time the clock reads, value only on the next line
10:38
